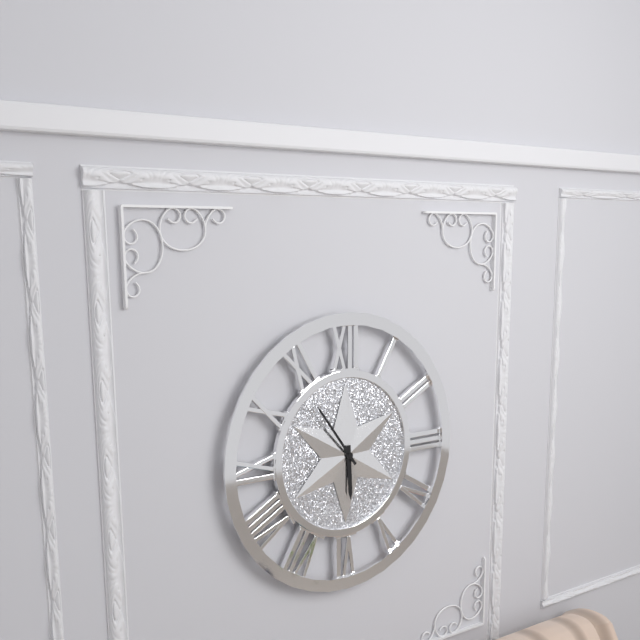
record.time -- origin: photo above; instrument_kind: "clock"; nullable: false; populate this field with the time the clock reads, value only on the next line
5:54
